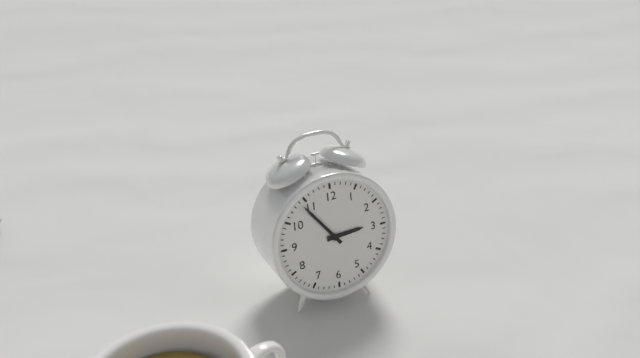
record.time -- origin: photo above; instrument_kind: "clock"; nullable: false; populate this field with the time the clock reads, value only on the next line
2:54
